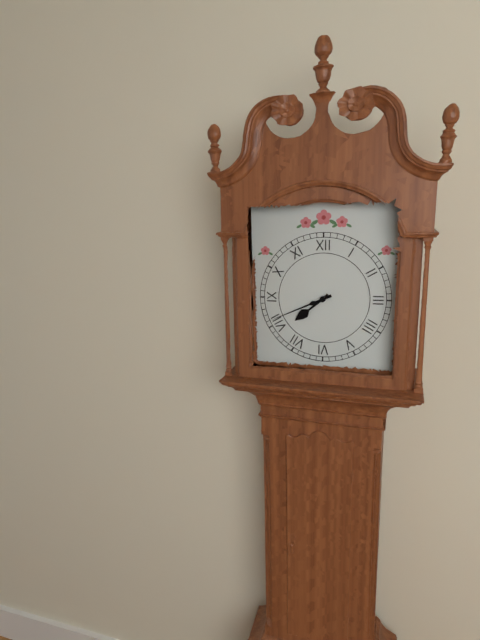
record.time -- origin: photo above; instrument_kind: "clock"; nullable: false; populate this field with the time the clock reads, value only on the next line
7:41
